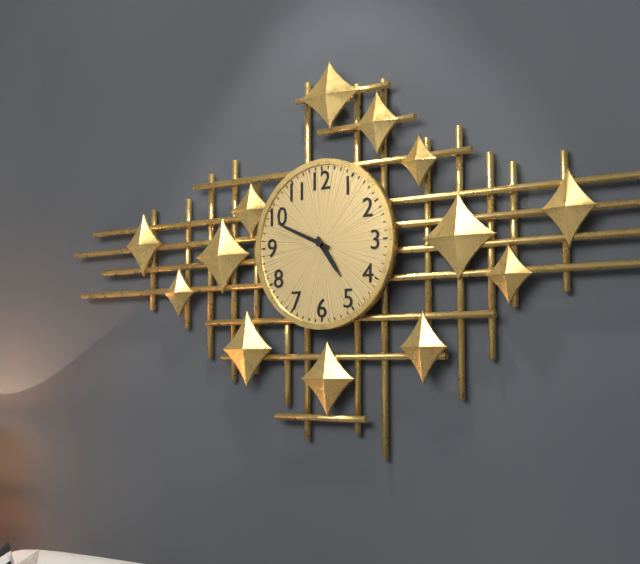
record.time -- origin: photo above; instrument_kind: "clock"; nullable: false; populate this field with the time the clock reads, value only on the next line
4:49
